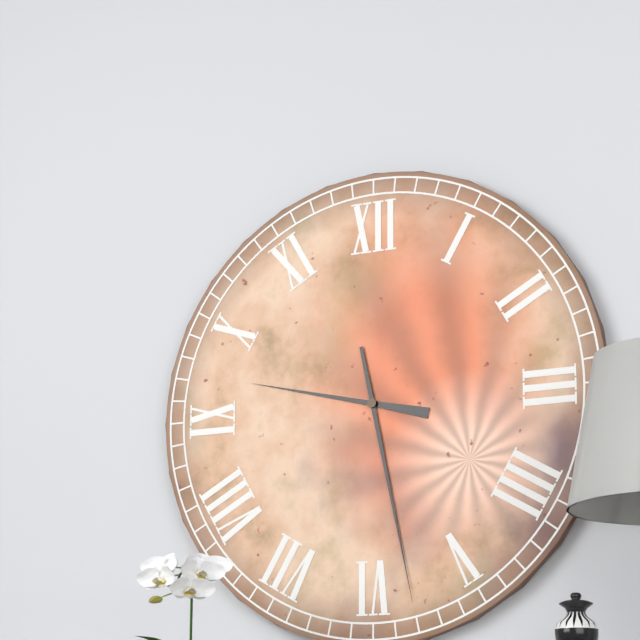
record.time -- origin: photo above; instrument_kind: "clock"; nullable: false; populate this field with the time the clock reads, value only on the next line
9:28
